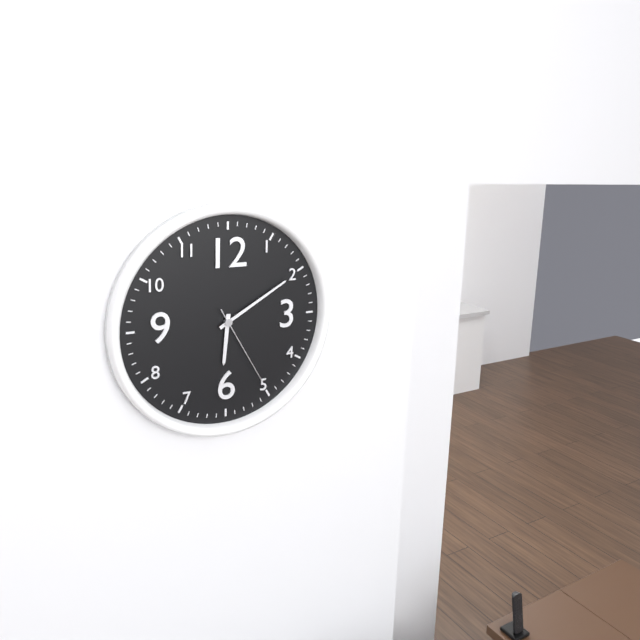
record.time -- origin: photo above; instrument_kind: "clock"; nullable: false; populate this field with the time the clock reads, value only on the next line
6:10:25
